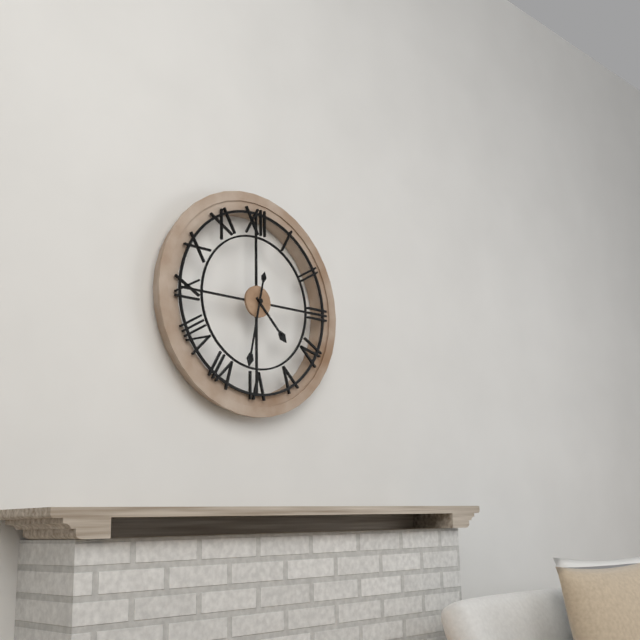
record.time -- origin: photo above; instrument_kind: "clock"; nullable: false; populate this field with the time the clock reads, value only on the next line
4:32
